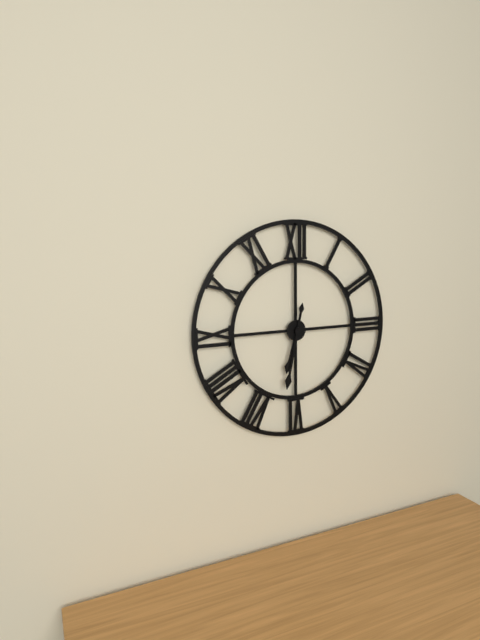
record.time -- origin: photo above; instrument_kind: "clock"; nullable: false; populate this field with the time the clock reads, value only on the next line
6:32
